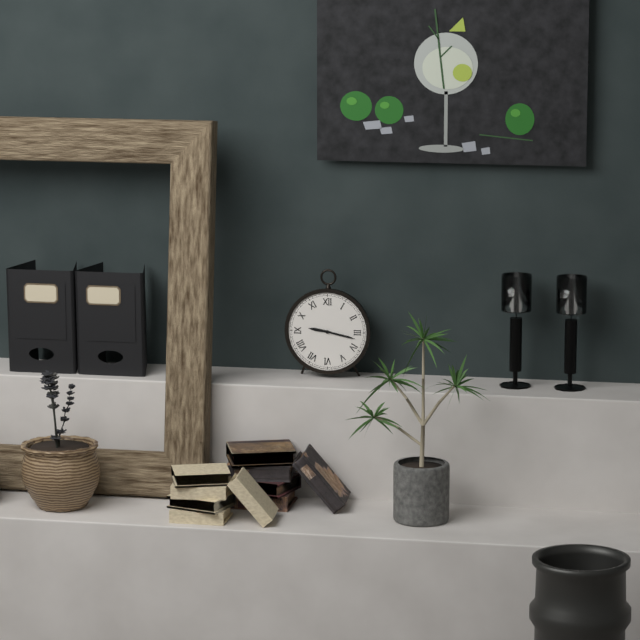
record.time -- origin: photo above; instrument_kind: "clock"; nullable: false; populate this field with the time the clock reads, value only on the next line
9:17
